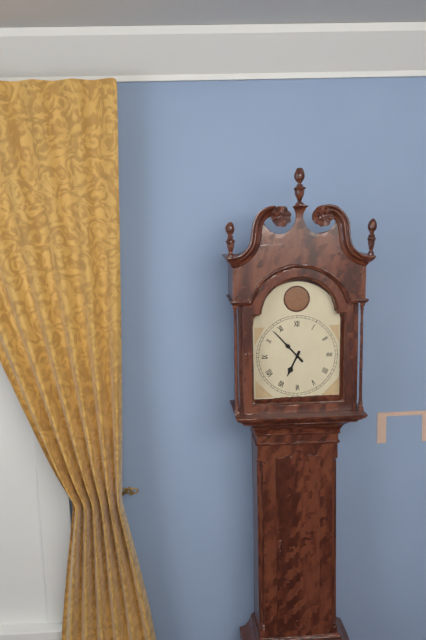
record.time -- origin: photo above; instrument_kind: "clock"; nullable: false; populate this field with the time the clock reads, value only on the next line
6:53
